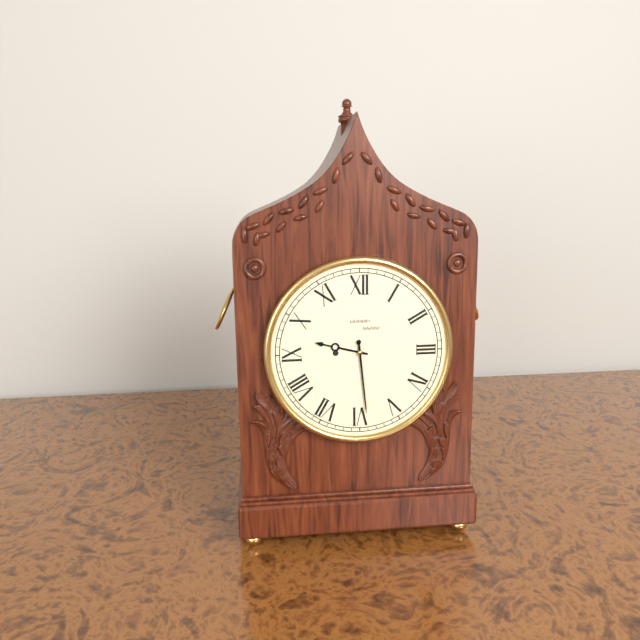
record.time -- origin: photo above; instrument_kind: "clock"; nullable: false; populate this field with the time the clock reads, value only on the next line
9:29
